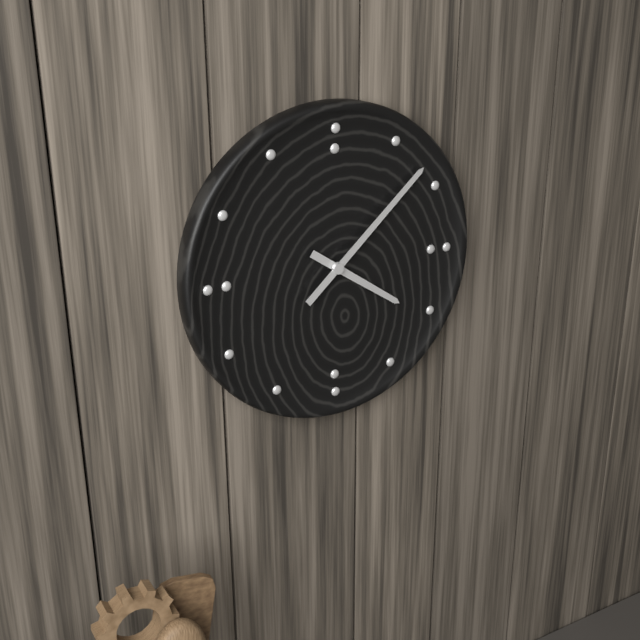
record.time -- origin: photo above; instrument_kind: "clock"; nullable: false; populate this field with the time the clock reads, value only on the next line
4:08
